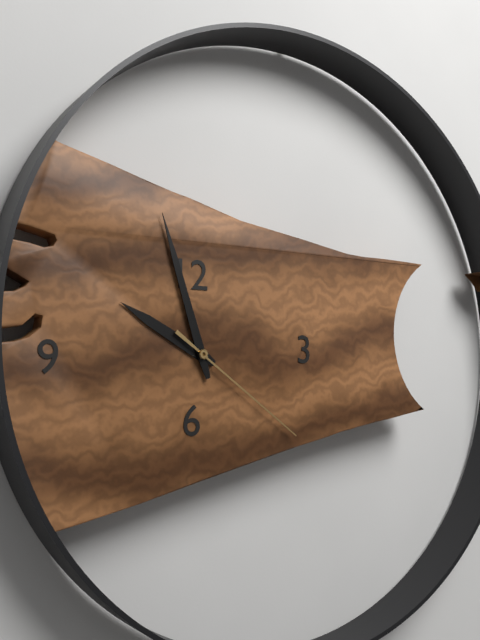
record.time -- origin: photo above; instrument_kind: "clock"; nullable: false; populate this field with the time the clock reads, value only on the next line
9:57:21
